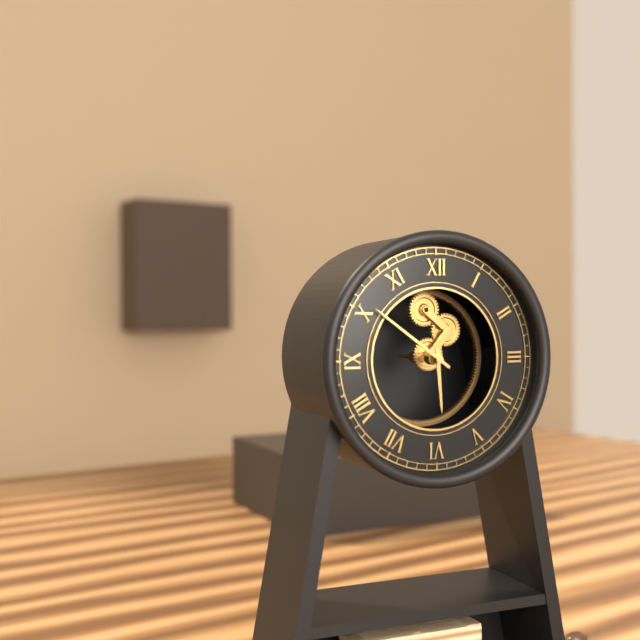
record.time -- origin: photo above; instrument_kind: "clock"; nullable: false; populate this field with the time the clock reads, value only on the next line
5:51
